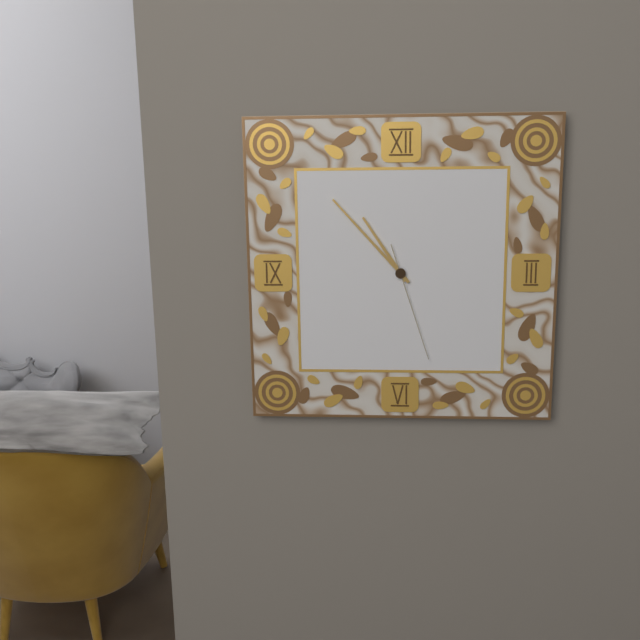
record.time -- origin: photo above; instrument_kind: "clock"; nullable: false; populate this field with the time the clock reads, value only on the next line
10:53:27
